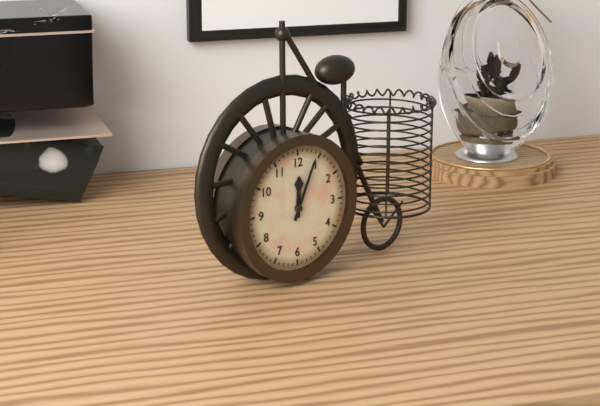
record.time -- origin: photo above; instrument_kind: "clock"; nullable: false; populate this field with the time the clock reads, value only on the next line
12:04
